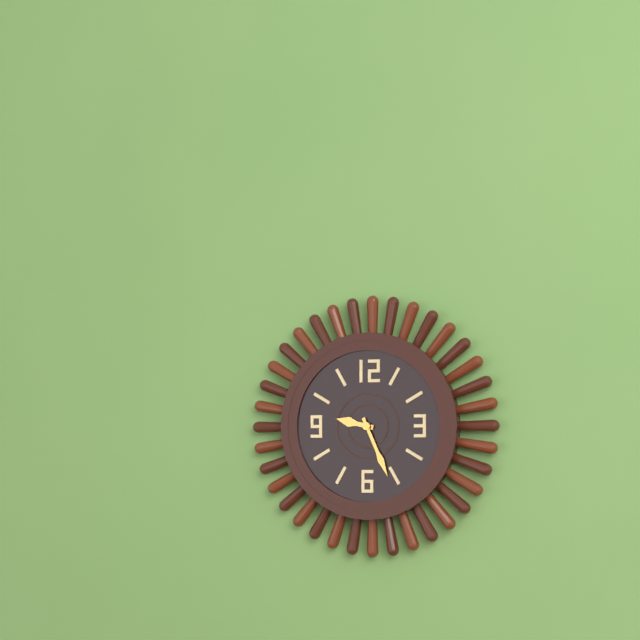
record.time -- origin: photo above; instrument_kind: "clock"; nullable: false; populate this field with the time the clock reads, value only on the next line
9:26
